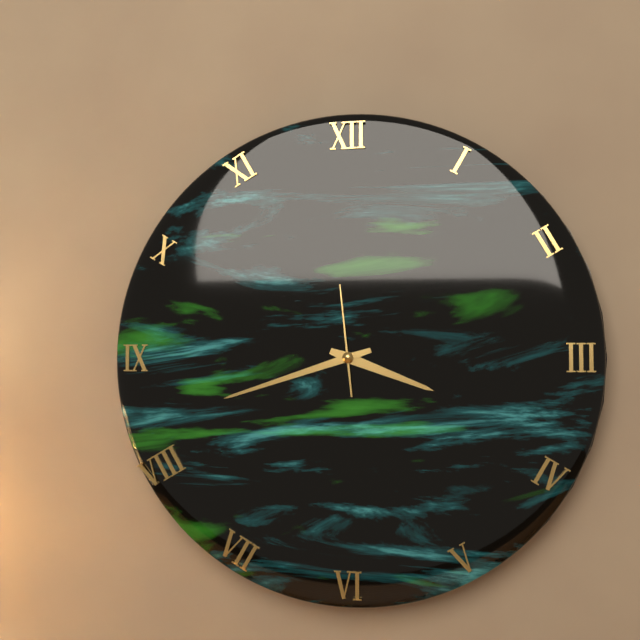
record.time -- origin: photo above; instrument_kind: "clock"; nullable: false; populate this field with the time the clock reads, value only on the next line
3:42:59
